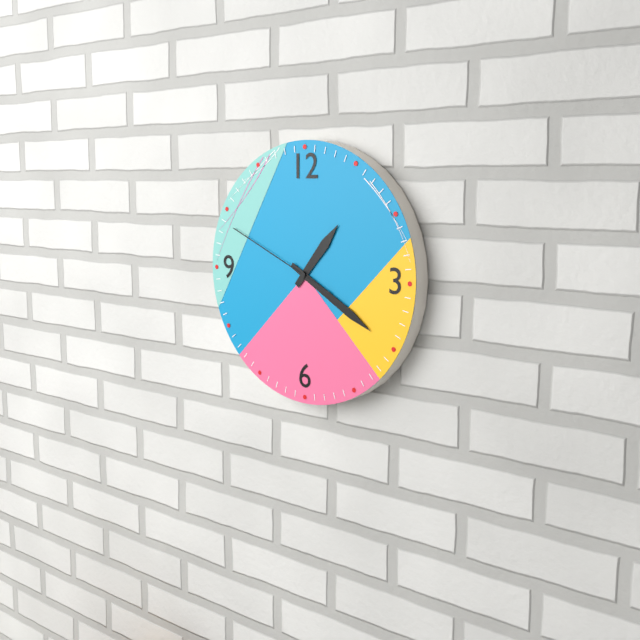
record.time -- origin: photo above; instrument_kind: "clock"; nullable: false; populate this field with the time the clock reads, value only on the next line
1:20:49
